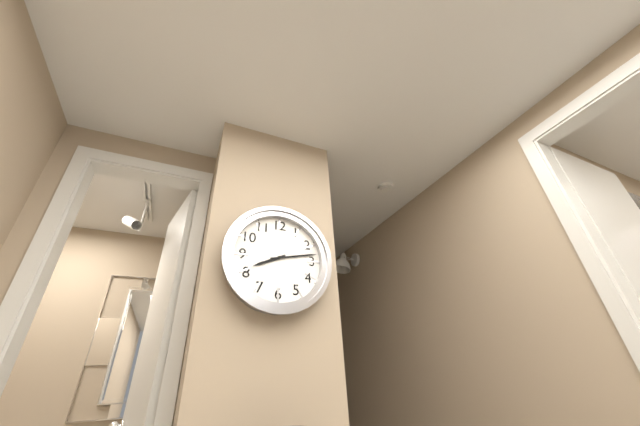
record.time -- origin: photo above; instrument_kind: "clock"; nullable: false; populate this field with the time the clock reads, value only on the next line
8:13
